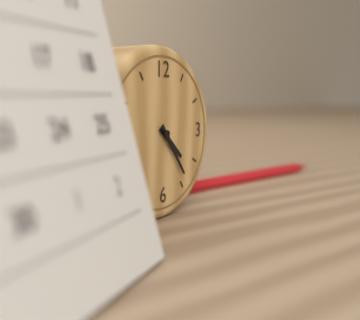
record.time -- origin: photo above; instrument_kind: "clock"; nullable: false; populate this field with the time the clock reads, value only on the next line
4:24
